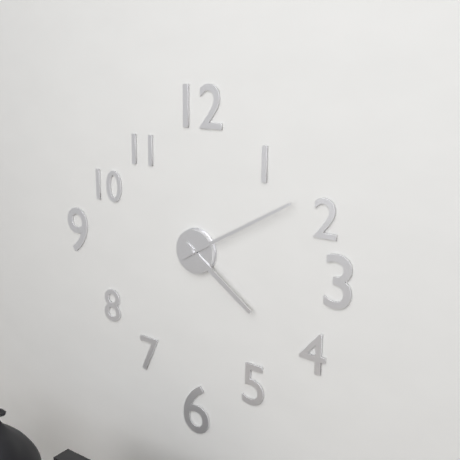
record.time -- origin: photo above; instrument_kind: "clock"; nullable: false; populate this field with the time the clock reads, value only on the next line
4:10
